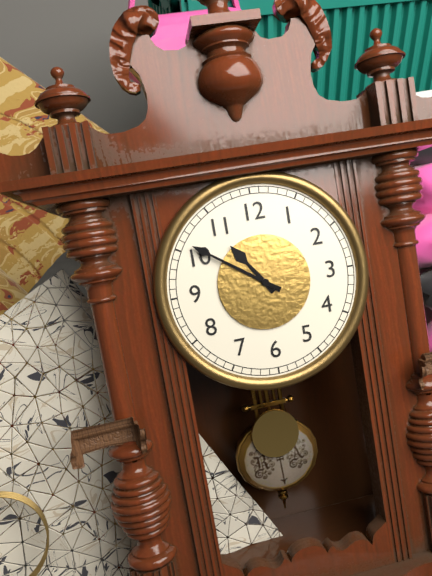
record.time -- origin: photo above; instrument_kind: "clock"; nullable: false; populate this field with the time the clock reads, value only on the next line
10:51
